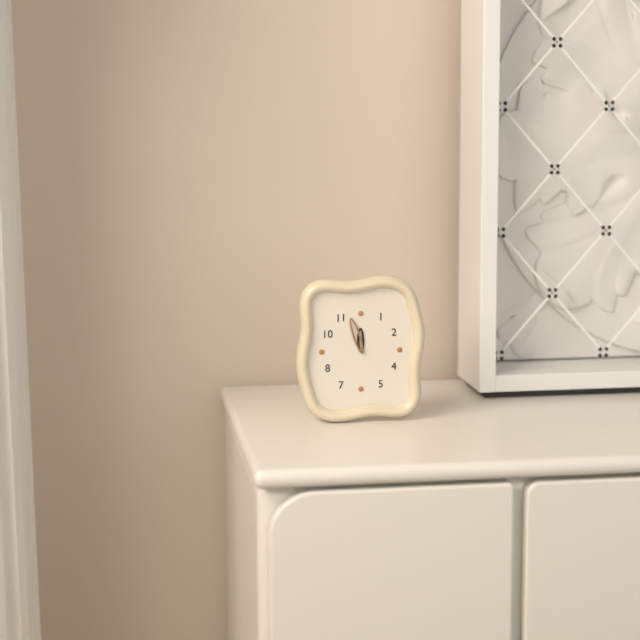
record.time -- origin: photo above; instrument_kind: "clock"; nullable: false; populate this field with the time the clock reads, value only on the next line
11:57
